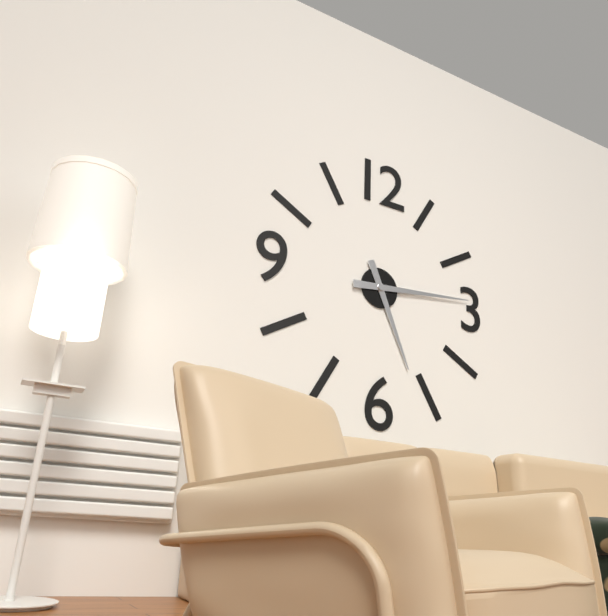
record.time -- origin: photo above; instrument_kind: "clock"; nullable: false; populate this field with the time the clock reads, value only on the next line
5:14
